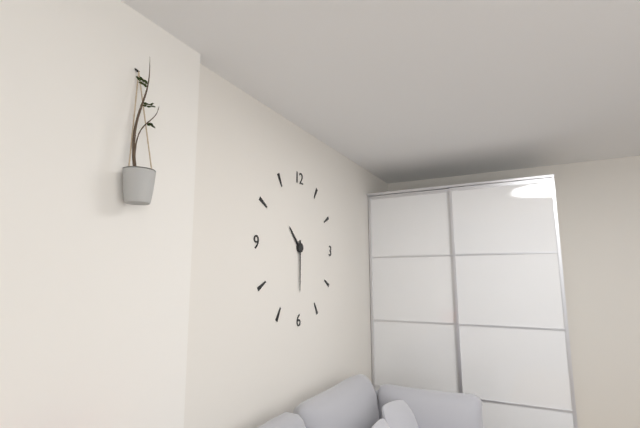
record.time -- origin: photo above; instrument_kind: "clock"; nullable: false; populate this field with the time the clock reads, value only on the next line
10:30
